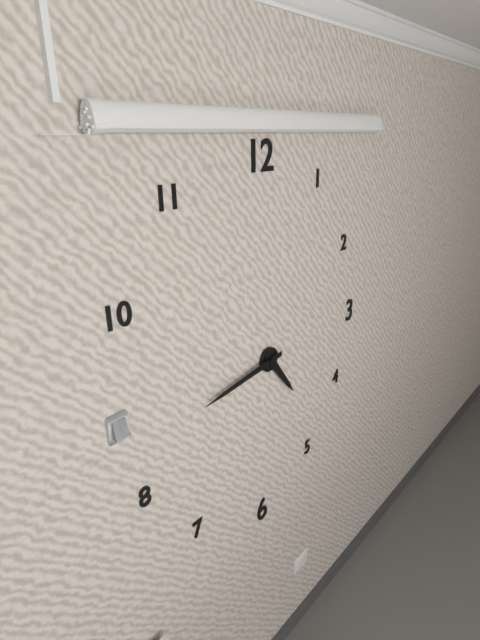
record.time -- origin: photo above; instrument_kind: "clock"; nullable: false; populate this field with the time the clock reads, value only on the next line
4:44
